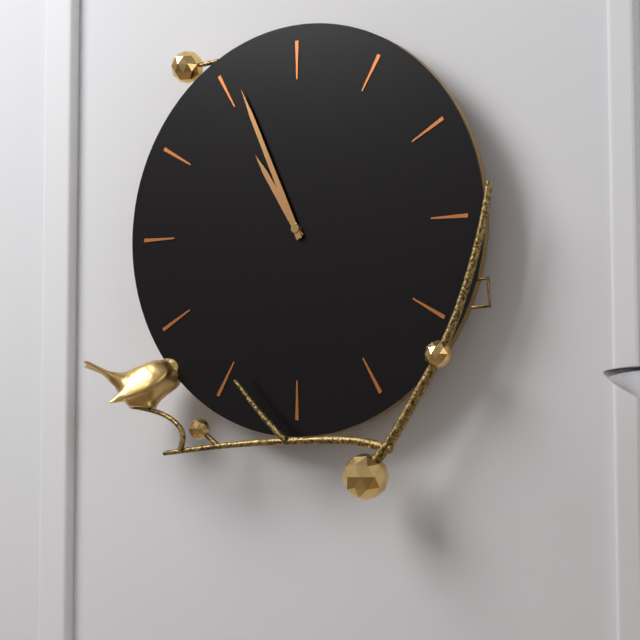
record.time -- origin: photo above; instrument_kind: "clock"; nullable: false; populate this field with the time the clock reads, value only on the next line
10:56
